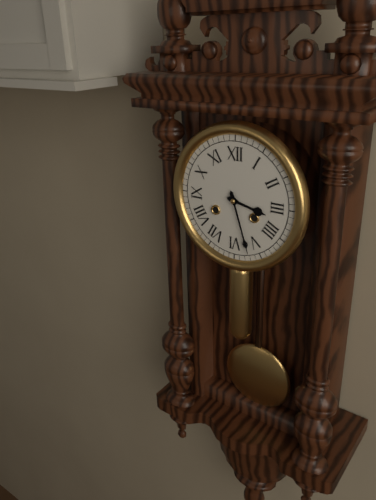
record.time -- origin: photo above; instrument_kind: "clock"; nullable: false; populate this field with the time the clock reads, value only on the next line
3:27
